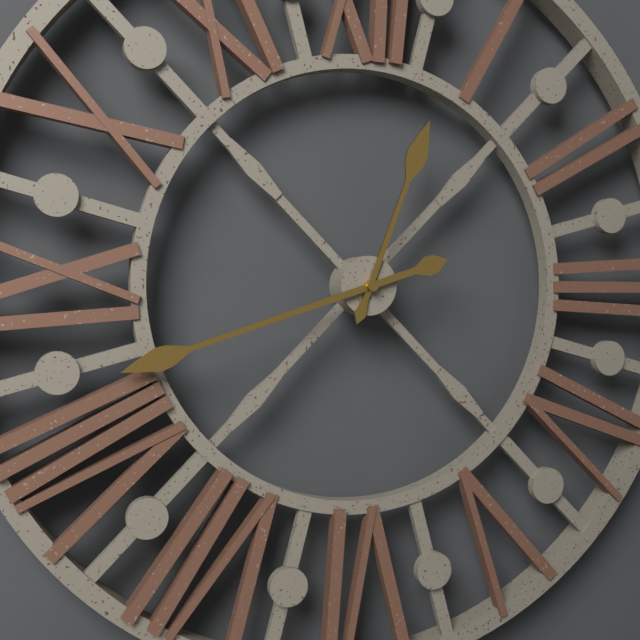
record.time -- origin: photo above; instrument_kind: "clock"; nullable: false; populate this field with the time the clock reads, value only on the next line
12:42
